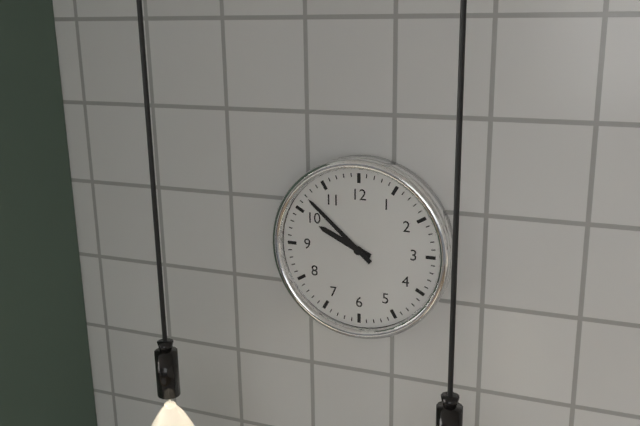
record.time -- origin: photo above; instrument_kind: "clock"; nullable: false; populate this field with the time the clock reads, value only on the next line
9:52
